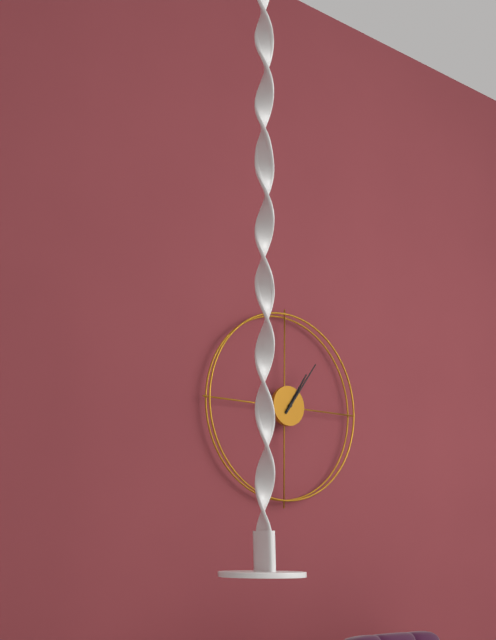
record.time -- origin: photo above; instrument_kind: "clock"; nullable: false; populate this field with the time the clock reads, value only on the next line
1:06
